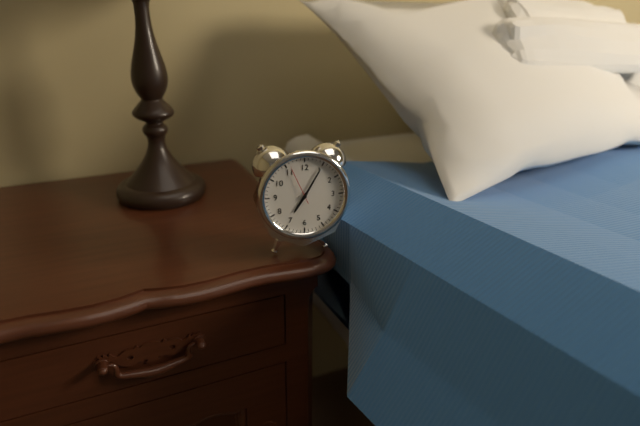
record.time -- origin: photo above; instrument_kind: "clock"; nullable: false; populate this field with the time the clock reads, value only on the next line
7:05
